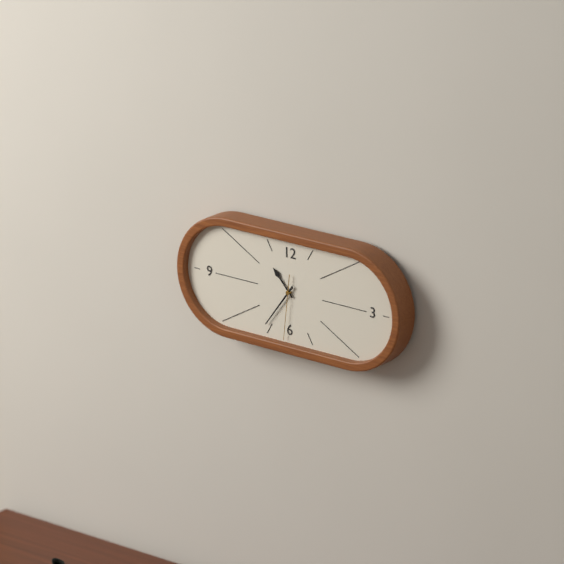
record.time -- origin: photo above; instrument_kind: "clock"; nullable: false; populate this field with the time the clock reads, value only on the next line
10:36:31
